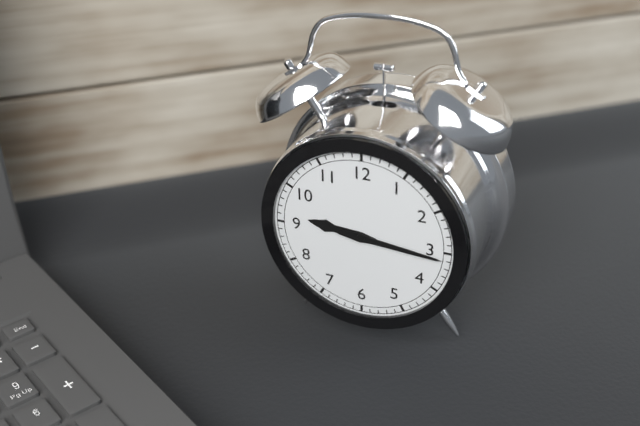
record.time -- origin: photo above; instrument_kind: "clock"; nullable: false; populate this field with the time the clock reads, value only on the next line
9:16
